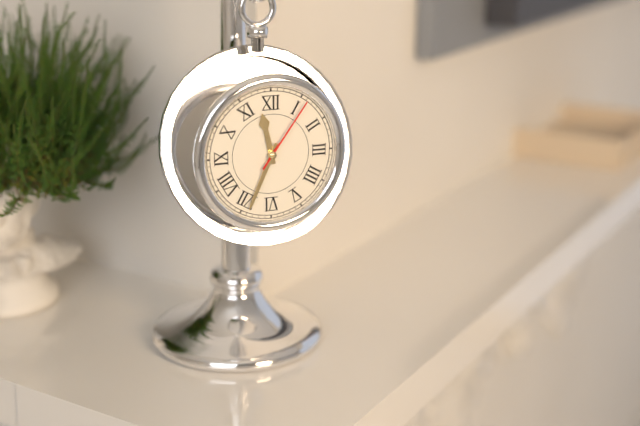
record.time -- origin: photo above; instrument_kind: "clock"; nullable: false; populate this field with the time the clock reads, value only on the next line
11:34:06
